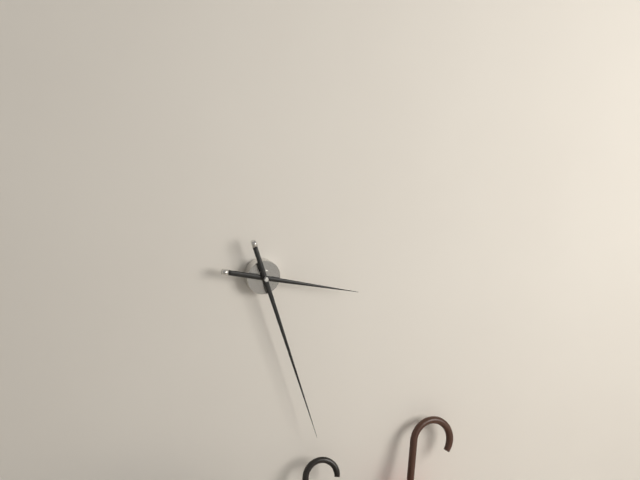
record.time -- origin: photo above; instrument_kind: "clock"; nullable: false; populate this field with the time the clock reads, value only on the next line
3:27
